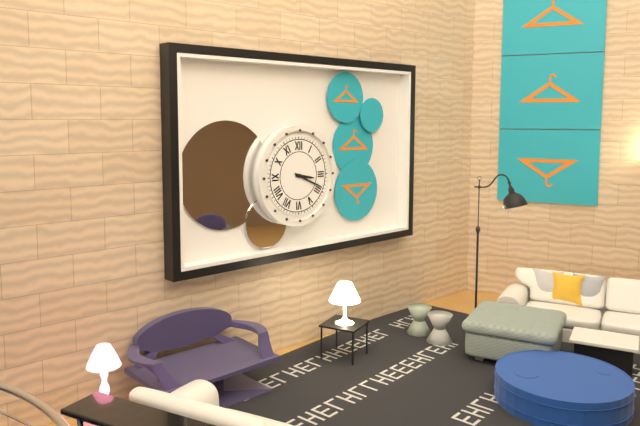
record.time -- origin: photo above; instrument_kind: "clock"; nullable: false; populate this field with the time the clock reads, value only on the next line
3:19
